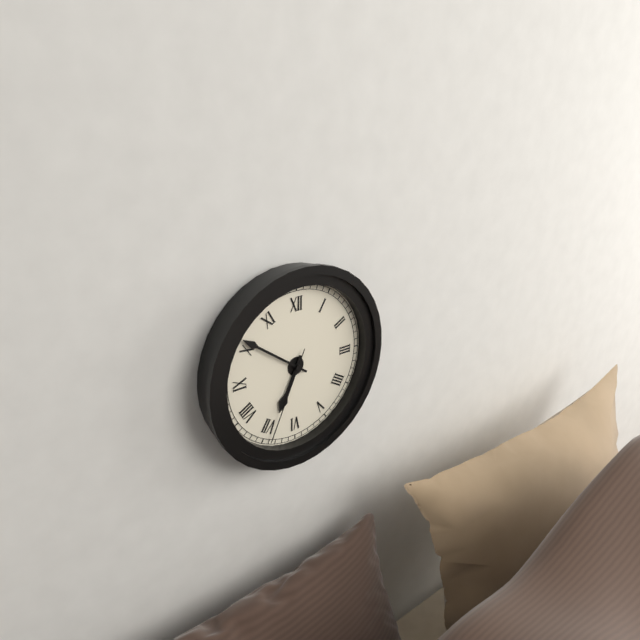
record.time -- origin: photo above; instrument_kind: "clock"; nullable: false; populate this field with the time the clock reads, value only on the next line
6:51:34
